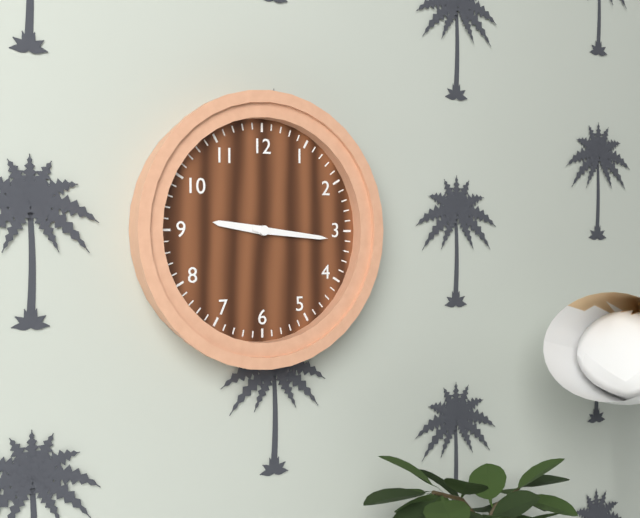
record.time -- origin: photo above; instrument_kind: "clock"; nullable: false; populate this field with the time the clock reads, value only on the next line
9:16
